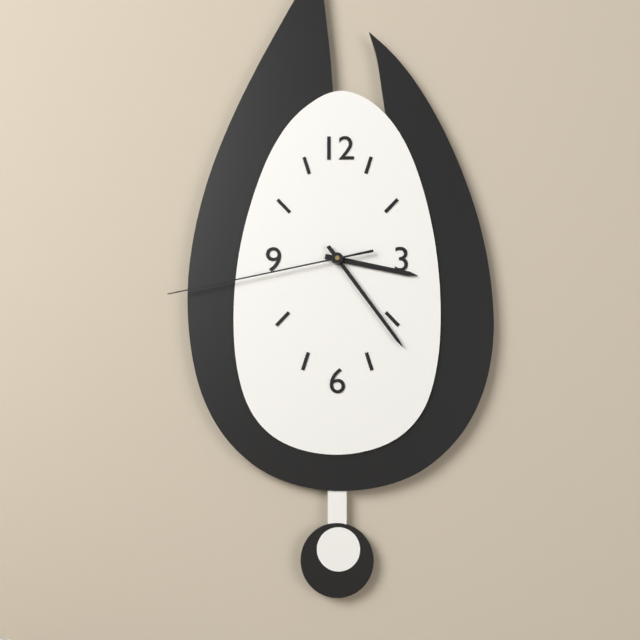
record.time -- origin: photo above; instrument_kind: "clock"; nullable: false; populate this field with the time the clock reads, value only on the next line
3:24:43
